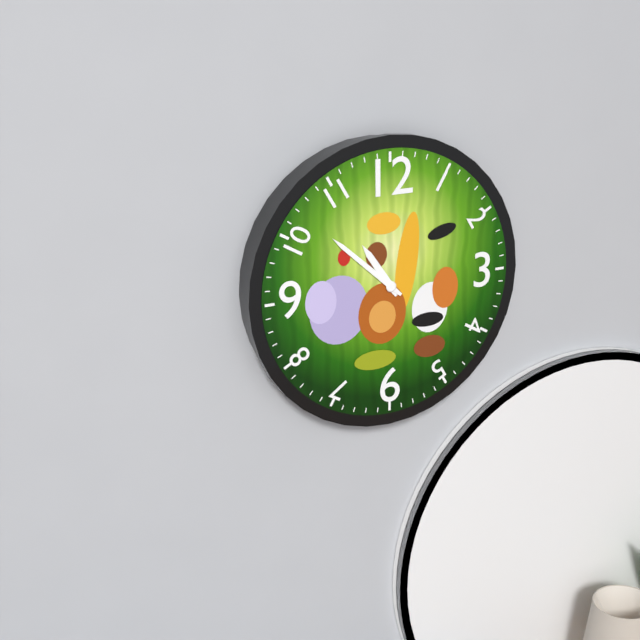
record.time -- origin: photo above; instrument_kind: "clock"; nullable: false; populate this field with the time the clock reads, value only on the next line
10:52
